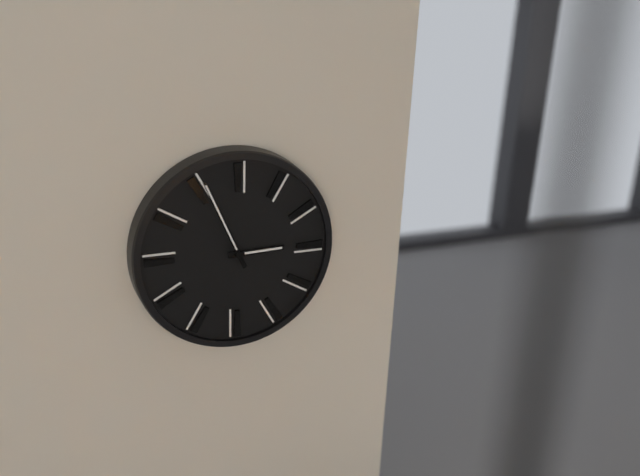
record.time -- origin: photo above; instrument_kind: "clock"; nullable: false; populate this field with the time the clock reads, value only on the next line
2:56
